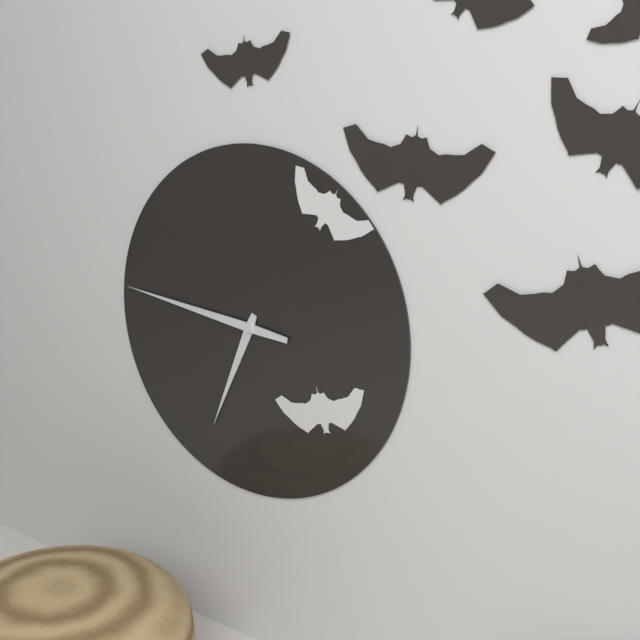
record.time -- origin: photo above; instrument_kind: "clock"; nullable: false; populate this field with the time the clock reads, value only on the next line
6:46
